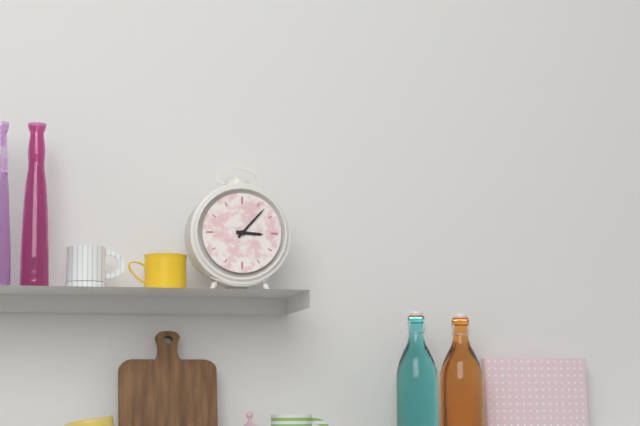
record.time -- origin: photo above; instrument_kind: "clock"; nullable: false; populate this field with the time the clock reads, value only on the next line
3:07
